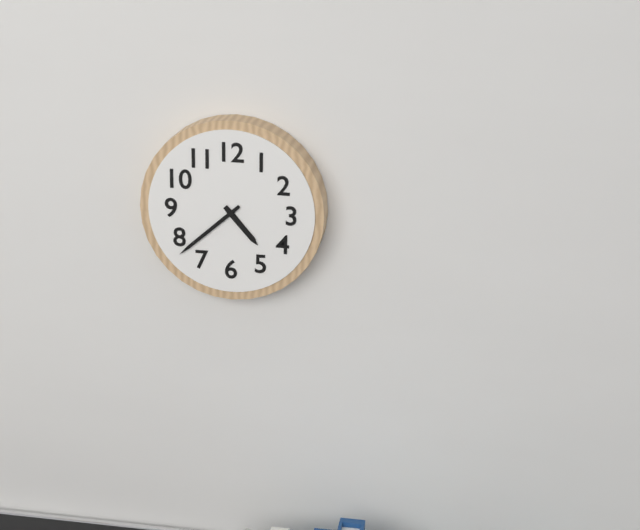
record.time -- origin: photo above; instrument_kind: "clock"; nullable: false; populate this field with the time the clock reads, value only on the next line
4:38
